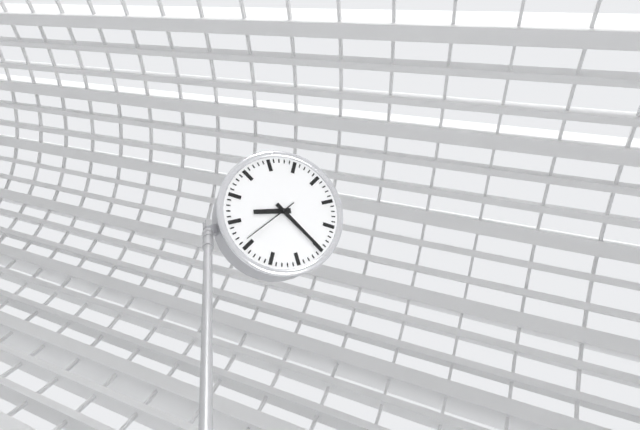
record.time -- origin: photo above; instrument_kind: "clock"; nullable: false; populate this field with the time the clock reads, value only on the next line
8:20:36
